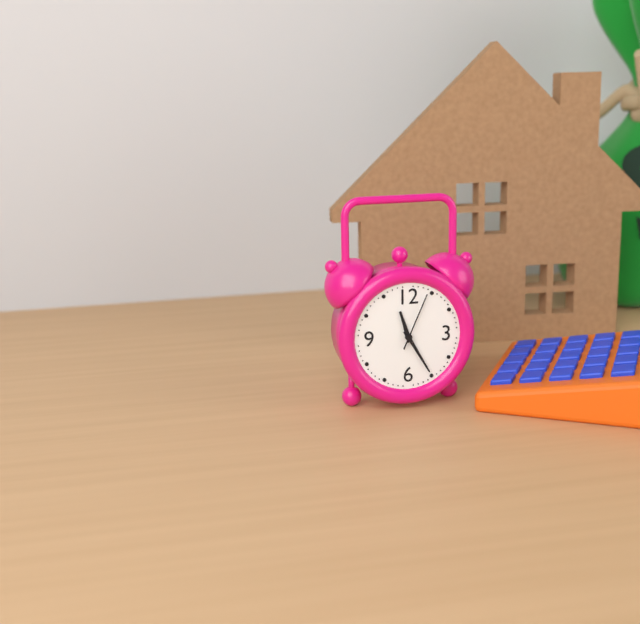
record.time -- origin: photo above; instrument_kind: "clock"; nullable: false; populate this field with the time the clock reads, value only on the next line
11:25:04
